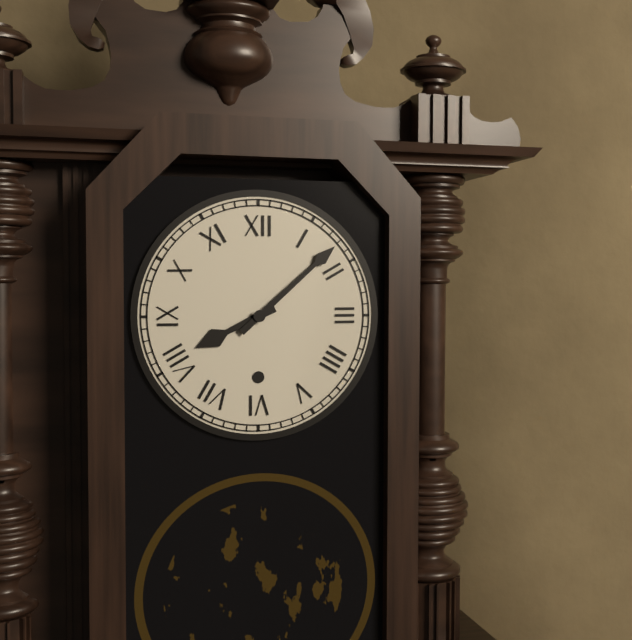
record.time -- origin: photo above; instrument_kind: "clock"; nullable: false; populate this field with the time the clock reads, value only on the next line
8:08
